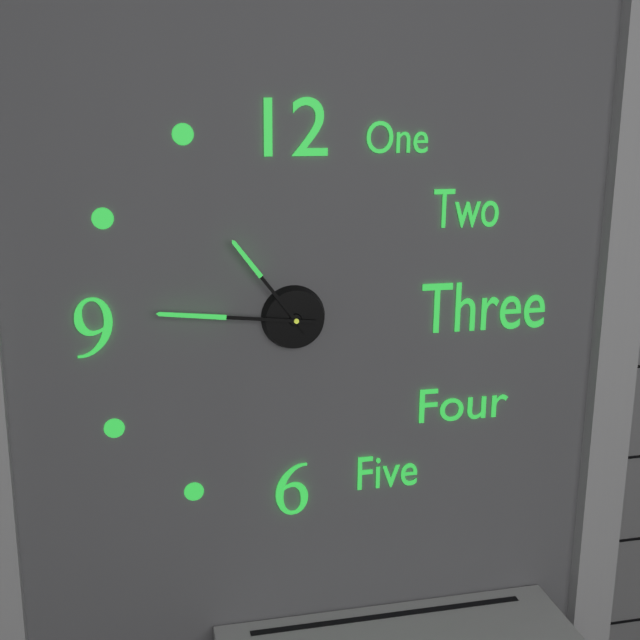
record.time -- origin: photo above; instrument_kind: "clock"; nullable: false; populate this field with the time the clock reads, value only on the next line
10:46
